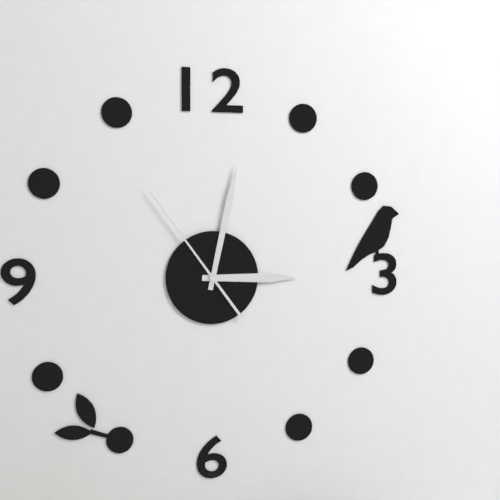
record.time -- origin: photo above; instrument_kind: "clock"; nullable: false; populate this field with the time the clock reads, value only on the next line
3:02:54
